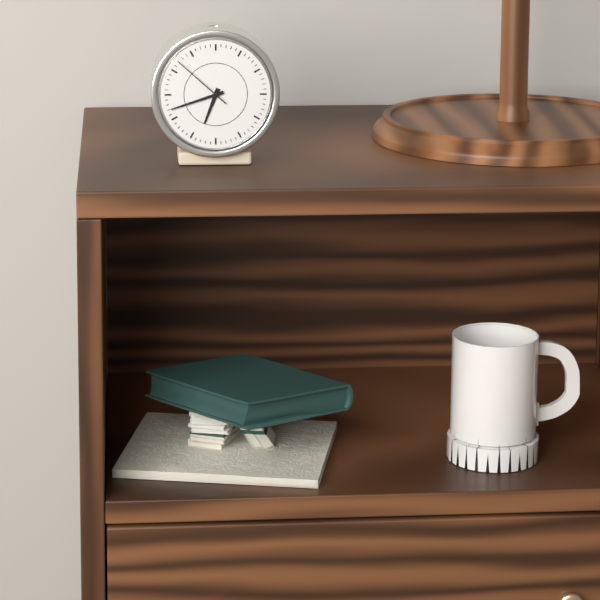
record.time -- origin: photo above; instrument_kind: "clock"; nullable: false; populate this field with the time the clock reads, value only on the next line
6:42:52
